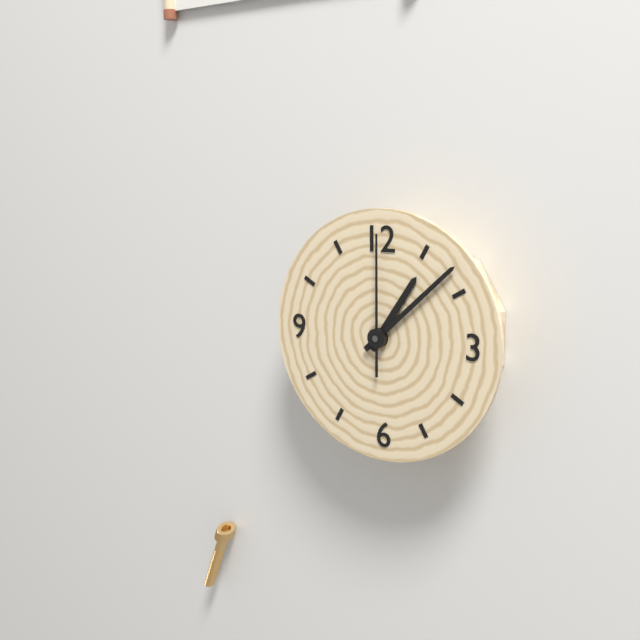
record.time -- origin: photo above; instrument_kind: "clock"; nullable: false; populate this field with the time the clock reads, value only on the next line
1:08:00
